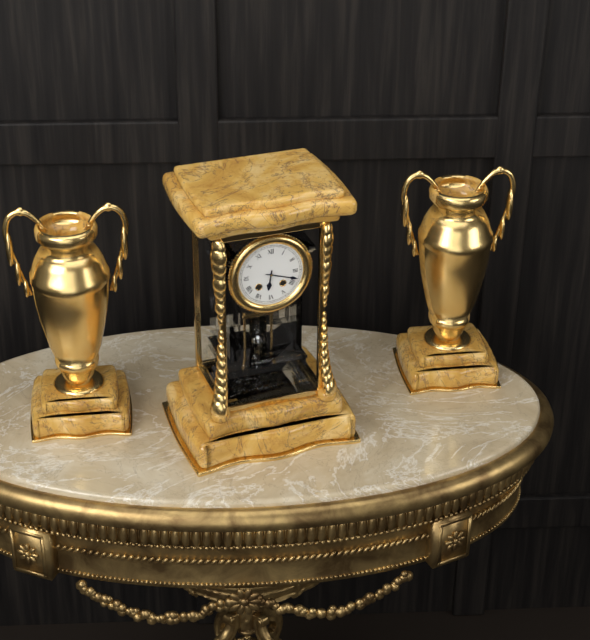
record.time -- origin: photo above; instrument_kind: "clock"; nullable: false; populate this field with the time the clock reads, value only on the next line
6:18
